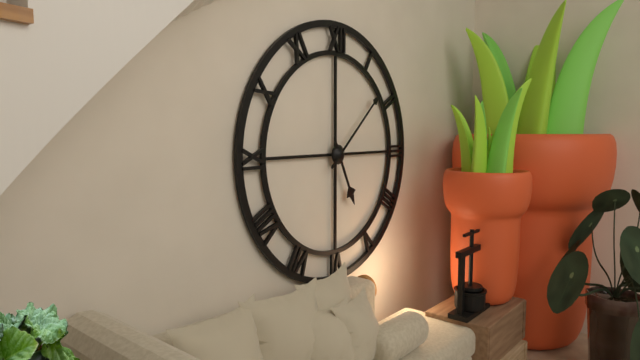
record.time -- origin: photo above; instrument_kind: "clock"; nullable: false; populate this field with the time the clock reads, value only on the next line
5:08
